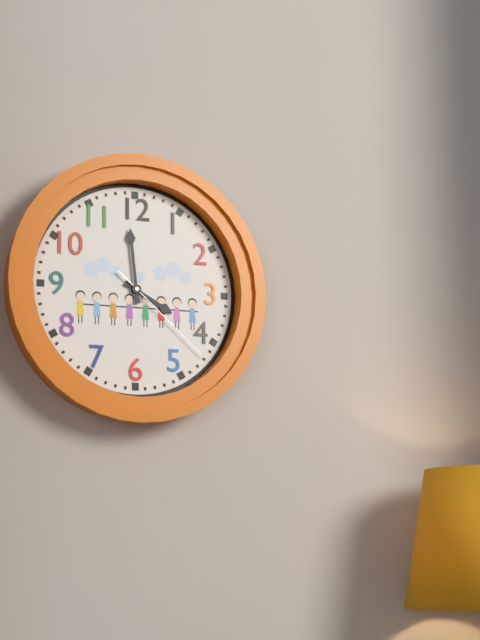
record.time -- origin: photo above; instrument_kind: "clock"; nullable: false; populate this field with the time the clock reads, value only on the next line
3:59:22
